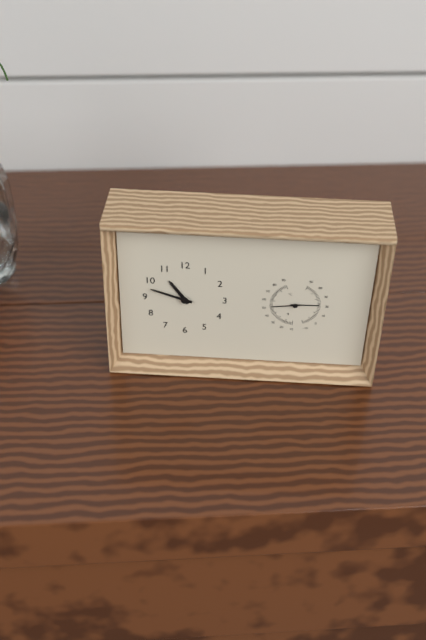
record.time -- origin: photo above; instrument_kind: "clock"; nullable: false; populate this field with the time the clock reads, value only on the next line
10:48
